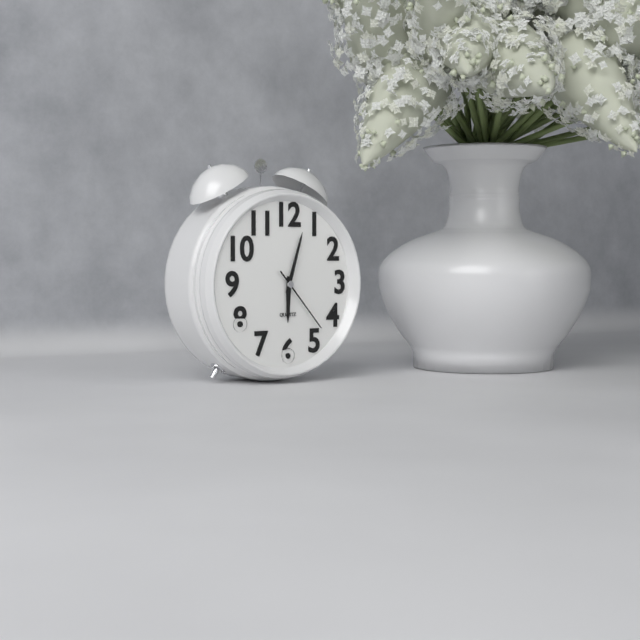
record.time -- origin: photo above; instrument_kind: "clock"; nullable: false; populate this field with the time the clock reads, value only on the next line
6:03:23
